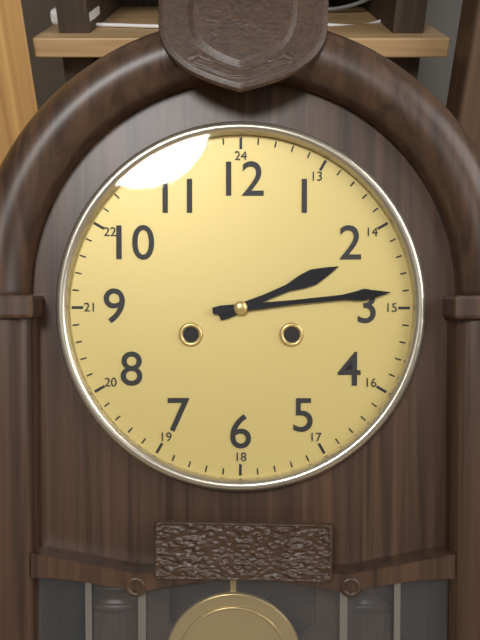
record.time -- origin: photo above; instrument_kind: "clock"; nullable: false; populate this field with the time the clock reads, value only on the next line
2:14
